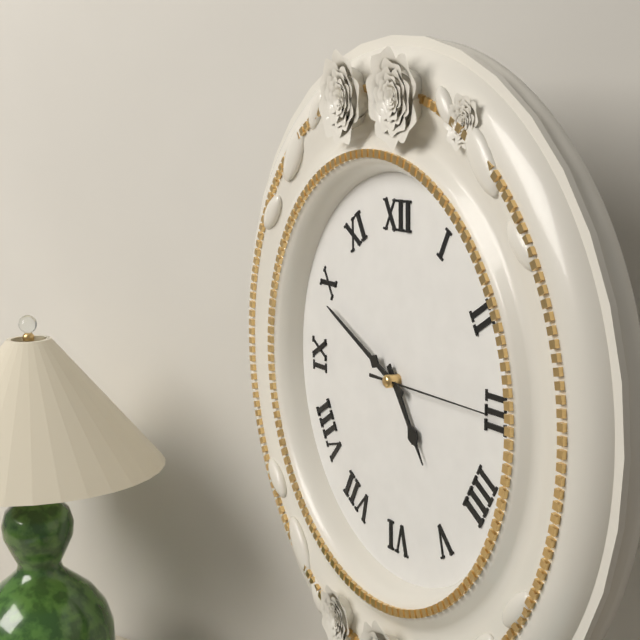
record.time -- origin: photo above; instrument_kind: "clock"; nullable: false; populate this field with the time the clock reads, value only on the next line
4:49:15
